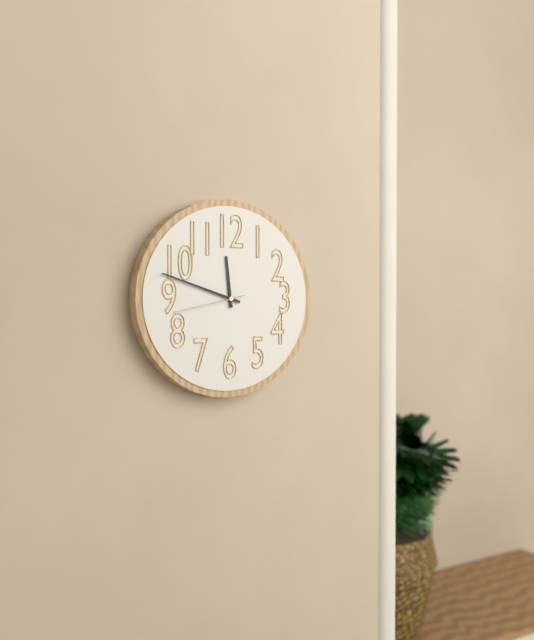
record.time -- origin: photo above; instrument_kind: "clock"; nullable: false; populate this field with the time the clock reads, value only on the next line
11:48:43
